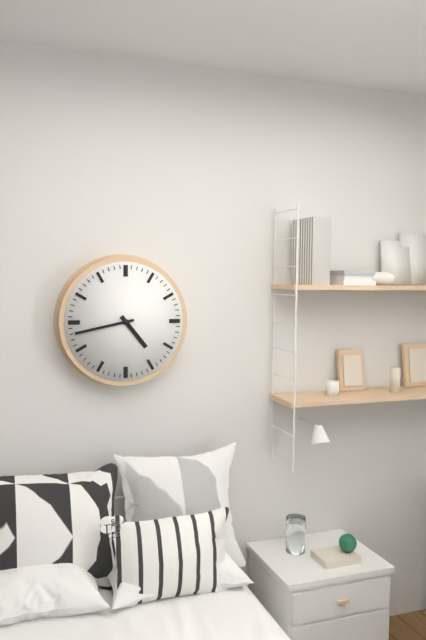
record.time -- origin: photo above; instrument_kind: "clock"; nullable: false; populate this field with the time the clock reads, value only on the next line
4:43
